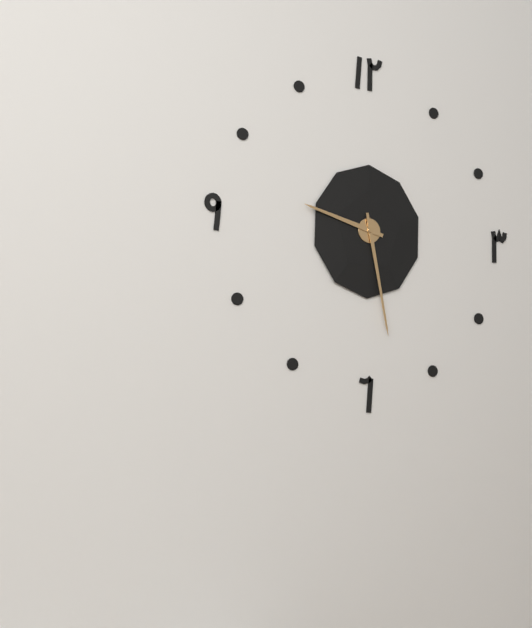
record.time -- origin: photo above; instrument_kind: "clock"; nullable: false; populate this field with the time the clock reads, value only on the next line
9:28
